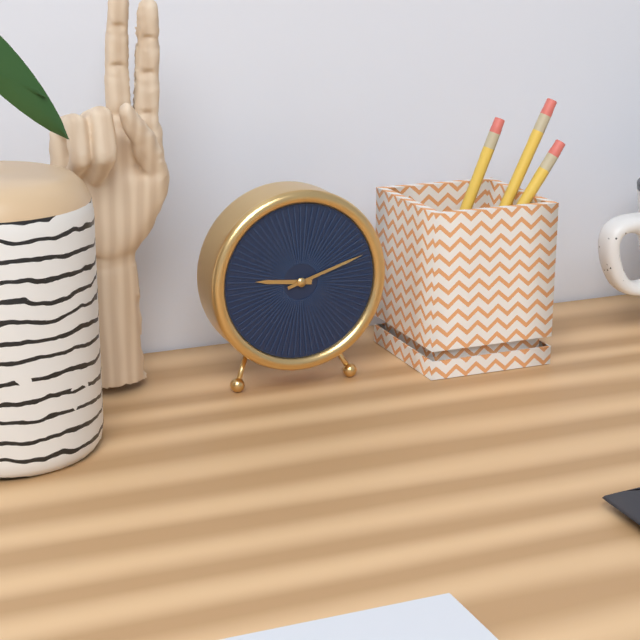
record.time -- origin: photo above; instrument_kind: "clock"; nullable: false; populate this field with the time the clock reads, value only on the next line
9:12
